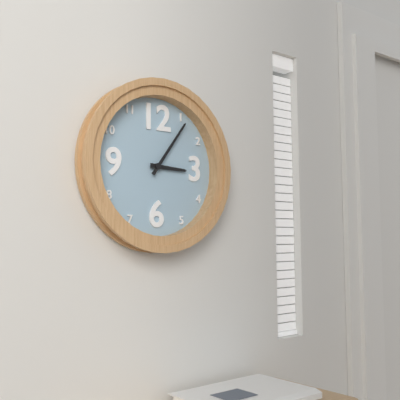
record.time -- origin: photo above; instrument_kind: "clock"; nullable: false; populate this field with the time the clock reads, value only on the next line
3:06
